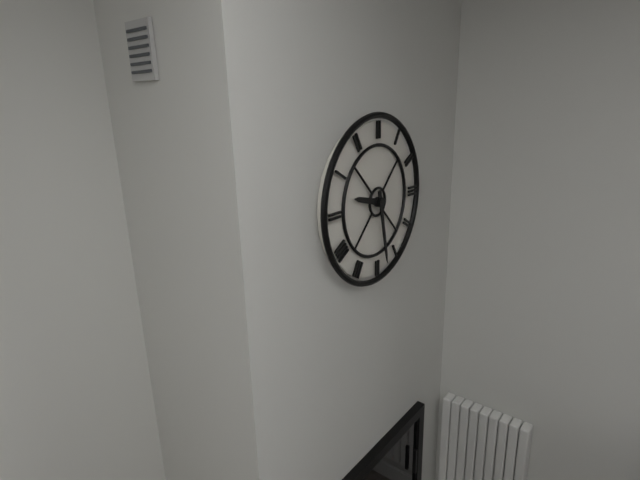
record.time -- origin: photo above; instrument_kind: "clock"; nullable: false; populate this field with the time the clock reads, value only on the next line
9:28
